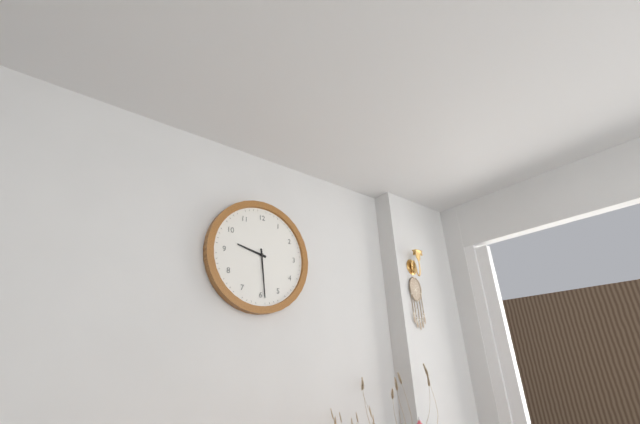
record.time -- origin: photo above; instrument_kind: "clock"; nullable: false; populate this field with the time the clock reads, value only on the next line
9:29
